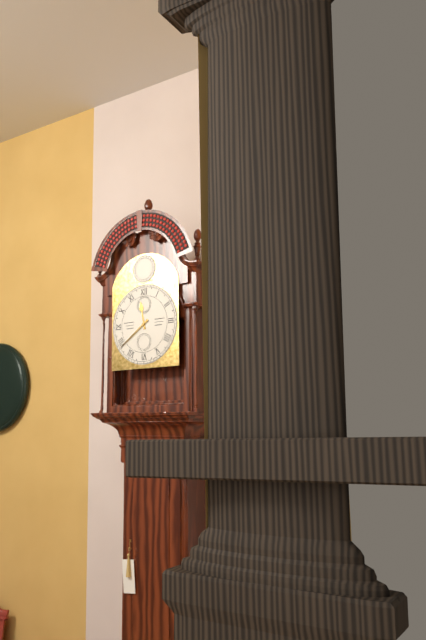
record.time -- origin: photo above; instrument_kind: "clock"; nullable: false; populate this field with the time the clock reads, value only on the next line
11:39
